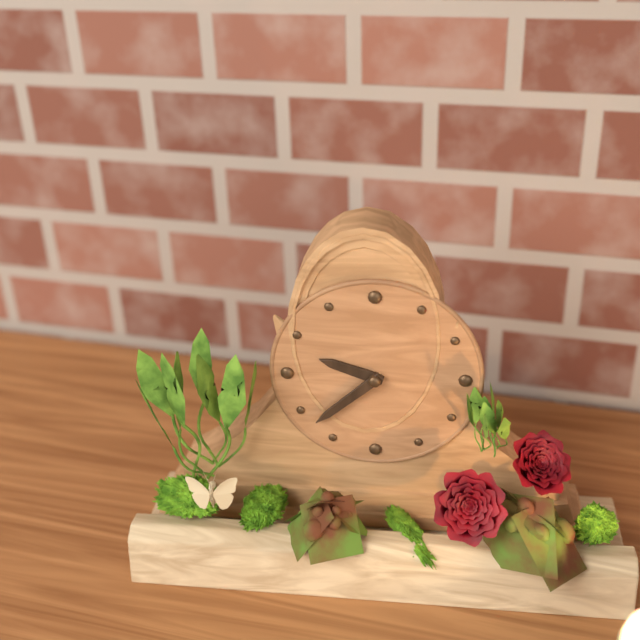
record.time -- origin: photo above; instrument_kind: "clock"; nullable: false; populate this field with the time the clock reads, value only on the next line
9:38
